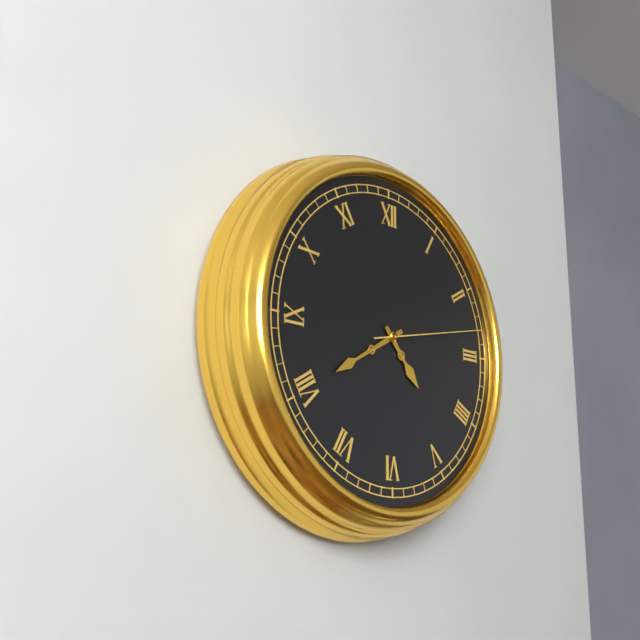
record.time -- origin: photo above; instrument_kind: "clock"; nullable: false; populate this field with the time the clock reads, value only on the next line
4:40:13
